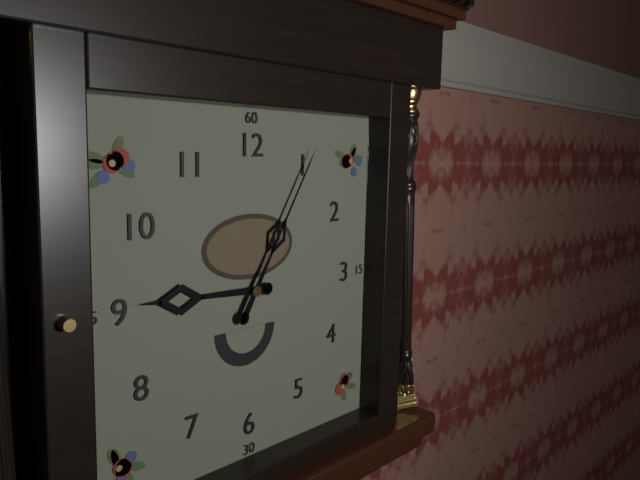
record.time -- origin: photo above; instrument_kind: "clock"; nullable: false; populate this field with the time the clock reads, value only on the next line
9:05
